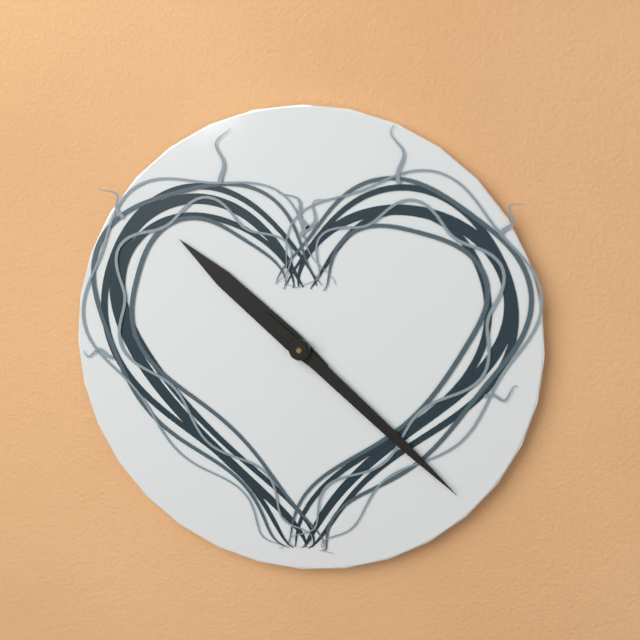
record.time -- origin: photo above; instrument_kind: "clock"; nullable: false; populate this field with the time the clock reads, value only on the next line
10:22
